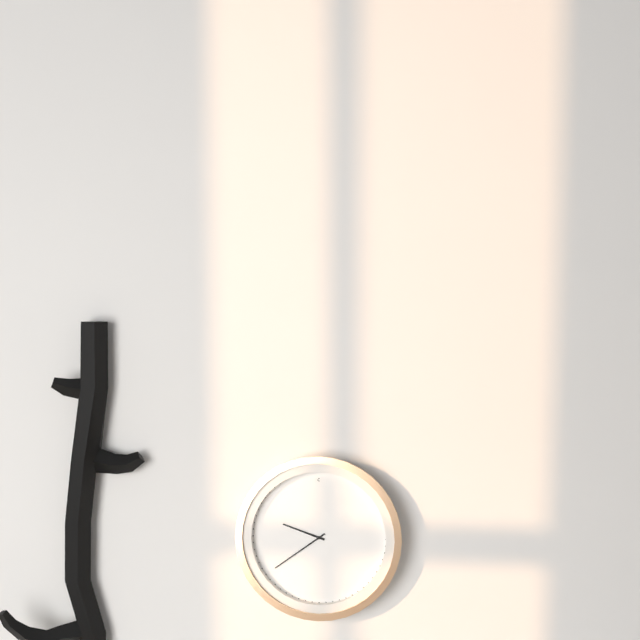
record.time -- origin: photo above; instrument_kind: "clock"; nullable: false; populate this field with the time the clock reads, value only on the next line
9:39
